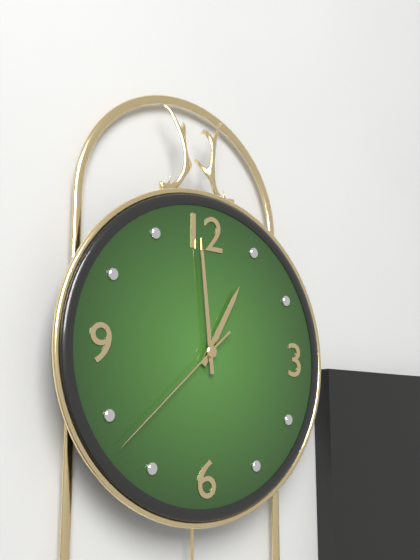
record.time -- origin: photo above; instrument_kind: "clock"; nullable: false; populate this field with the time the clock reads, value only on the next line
12:59:38
